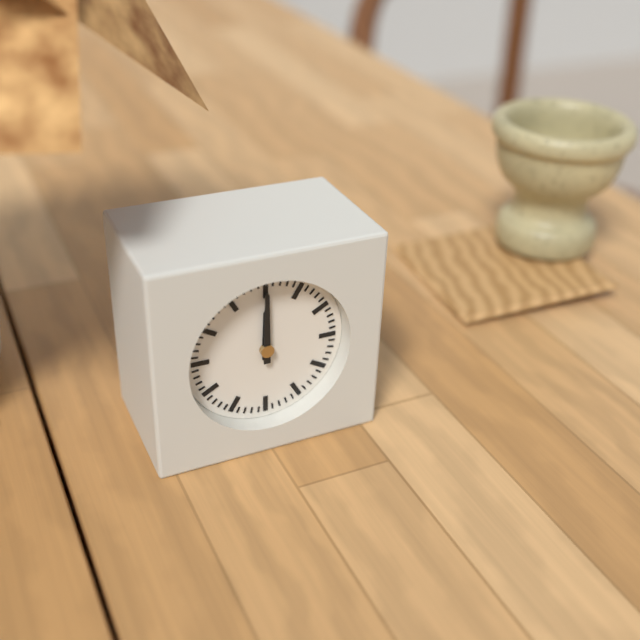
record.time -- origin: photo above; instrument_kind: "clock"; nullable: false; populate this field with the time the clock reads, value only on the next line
12:00
